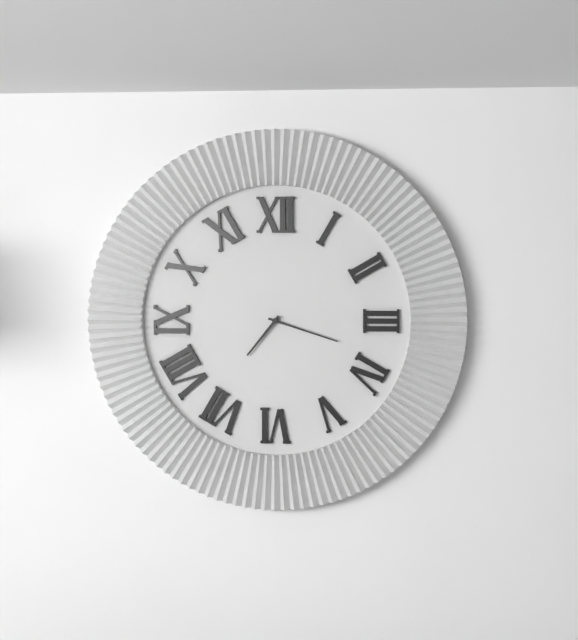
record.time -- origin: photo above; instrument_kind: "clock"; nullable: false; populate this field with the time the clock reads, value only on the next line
7:18
